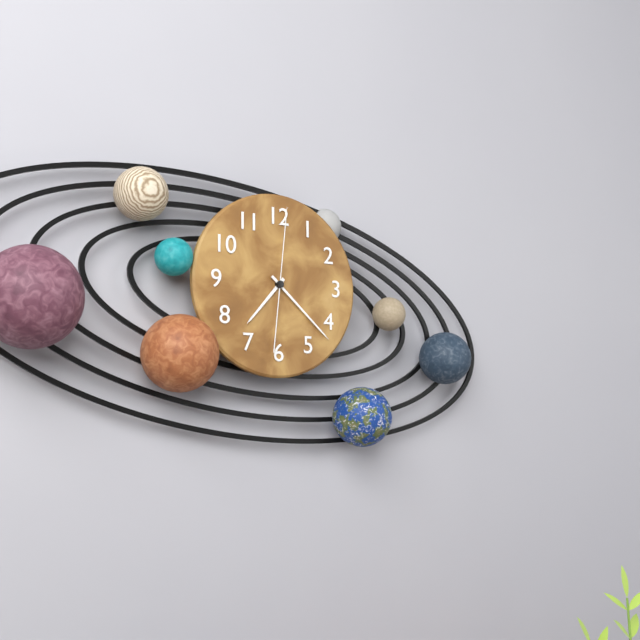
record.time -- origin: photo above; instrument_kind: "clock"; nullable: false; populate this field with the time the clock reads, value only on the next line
7:22:01
